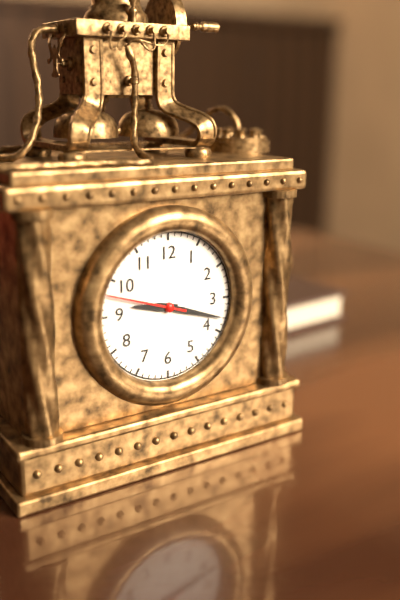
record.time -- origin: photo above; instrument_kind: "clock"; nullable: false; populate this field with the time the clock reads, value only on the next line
9:18:48
